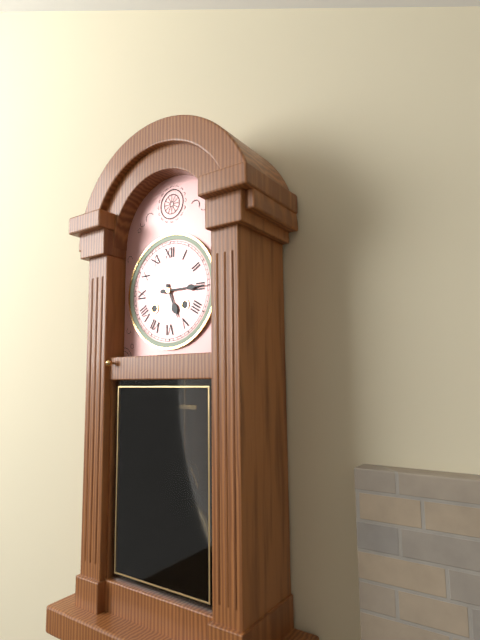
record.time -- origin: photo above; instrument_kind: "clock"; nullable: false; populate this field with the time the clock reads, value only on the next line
5:15
